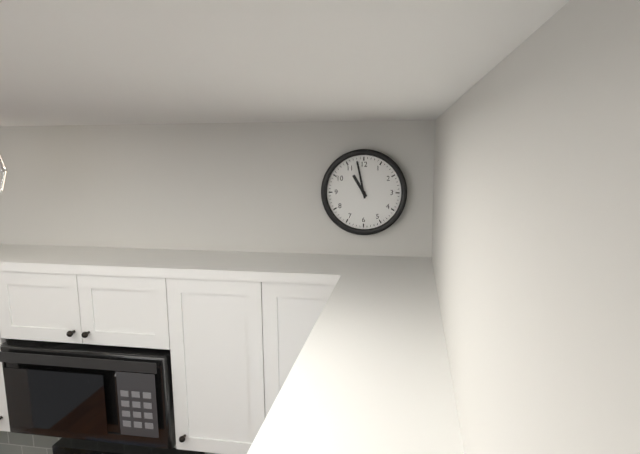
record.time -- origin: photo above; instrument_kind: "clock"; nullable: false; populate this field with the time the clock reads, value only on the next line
10:58
